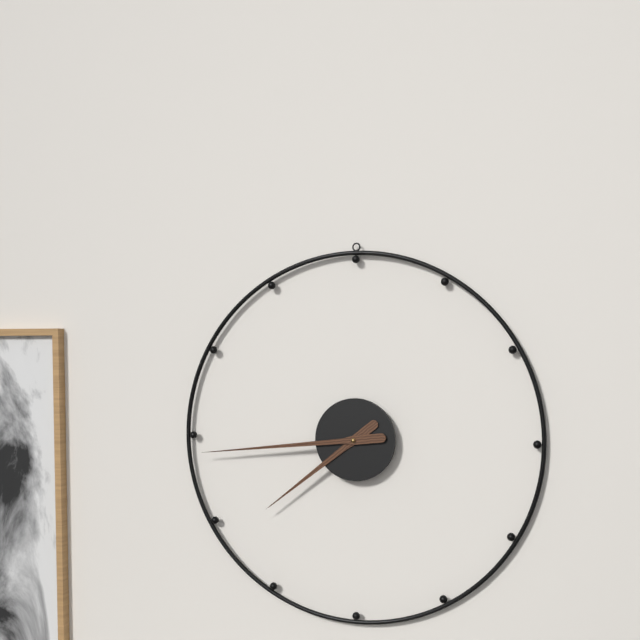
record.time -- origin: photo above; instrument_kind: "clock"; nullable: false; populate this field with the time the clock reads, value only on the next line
7:44
